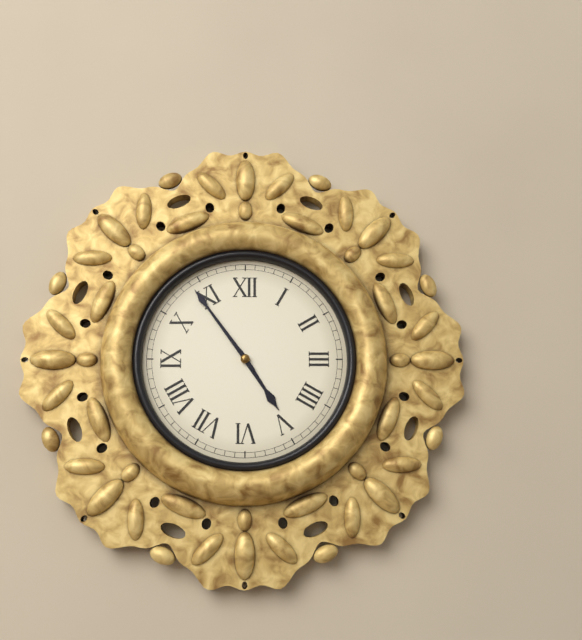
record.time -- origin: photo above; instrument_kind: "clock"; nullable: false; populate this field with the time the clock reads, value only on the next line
4:54
